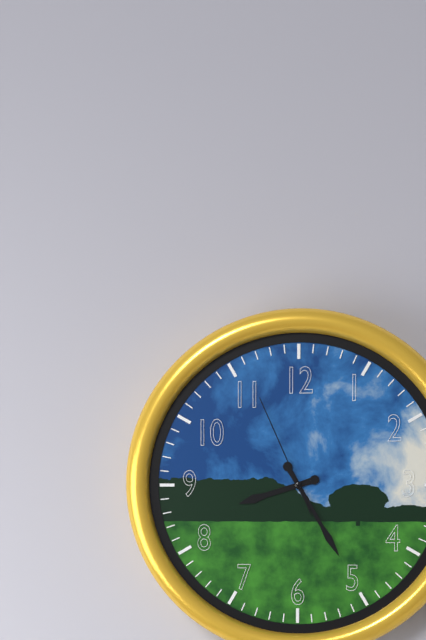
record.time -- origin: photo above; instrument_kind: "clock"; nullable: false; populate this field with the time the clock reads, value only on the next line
8:25:56
